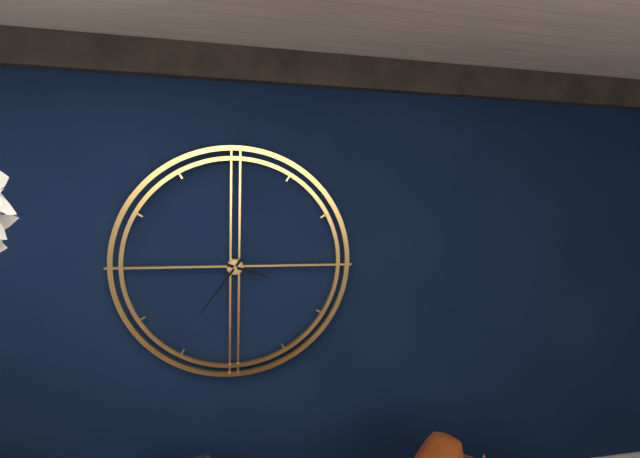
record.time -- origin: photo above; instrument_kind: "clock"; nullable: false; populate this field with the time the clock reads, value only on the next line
3:36
